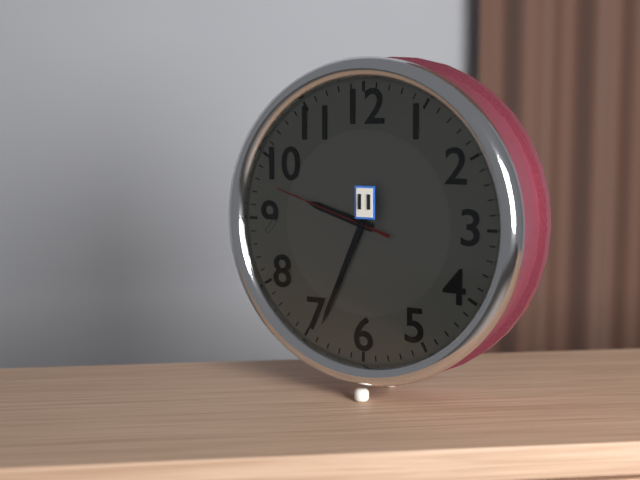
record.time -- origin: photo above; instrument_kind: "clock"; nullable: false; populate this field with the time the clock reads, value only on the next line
9:34:48
